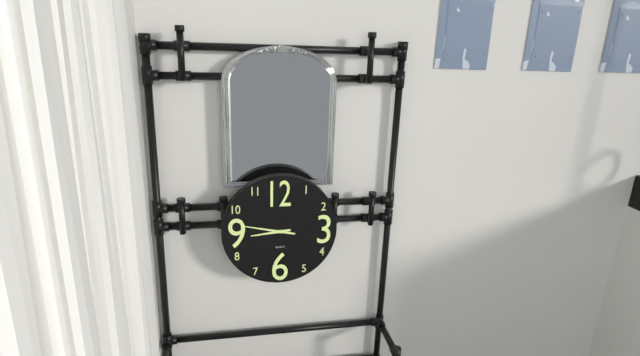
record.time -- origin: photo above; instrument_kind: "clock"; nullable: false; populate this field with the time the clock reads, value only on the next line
8:47
